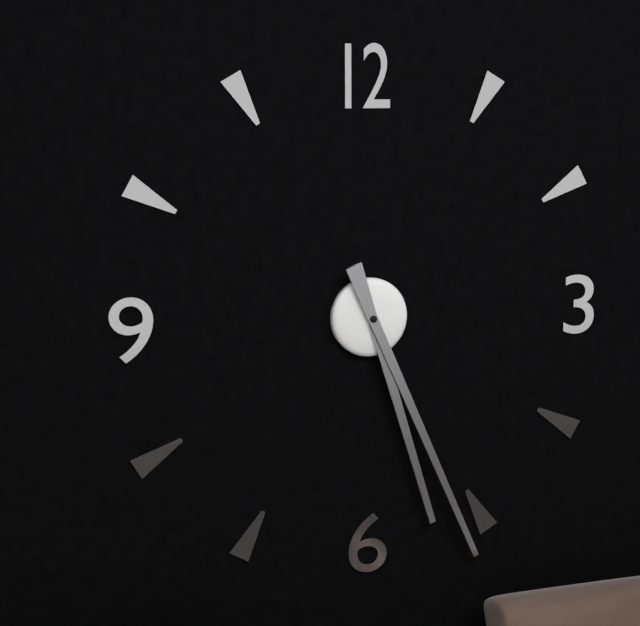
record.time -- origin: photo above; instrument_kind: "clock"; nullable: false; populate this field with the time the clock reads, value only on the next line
5:26
